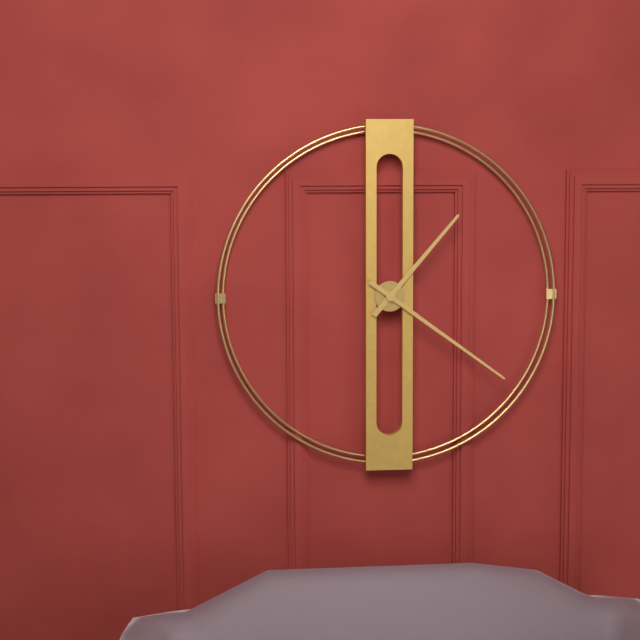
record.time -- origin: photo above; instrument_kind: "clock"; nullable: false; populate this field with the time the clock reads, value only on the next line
1:21
